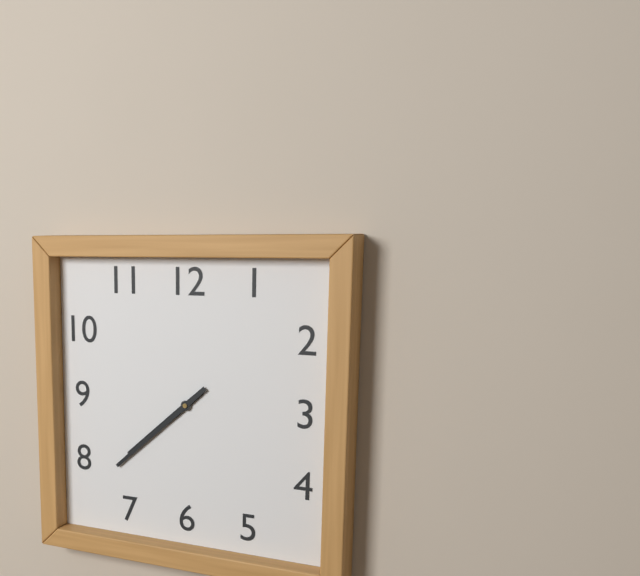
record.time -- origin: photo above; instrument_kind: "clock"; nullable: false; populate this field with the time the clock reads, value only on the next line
7:38
